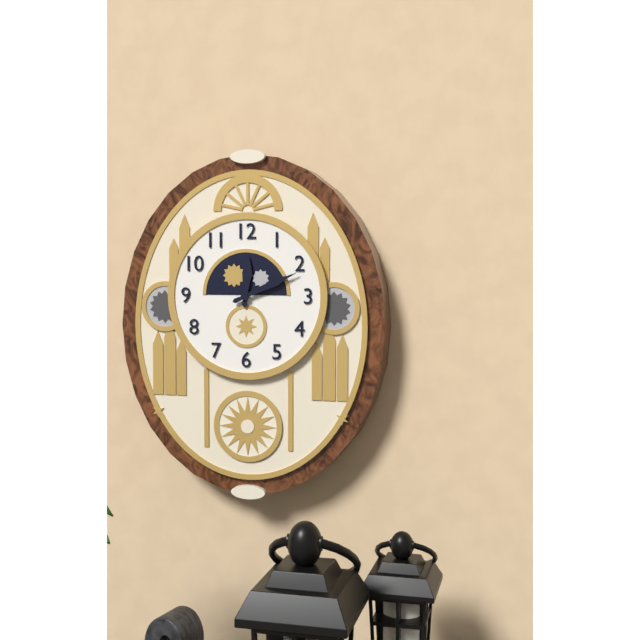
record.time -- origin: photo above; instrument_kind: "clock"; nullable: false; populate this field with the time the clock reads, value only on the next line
12:11
